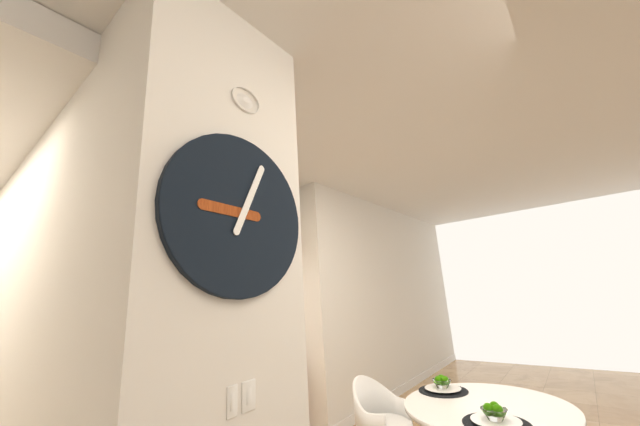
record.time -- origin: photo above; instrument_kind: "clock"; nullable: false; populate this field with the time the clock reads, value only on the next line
9:04
